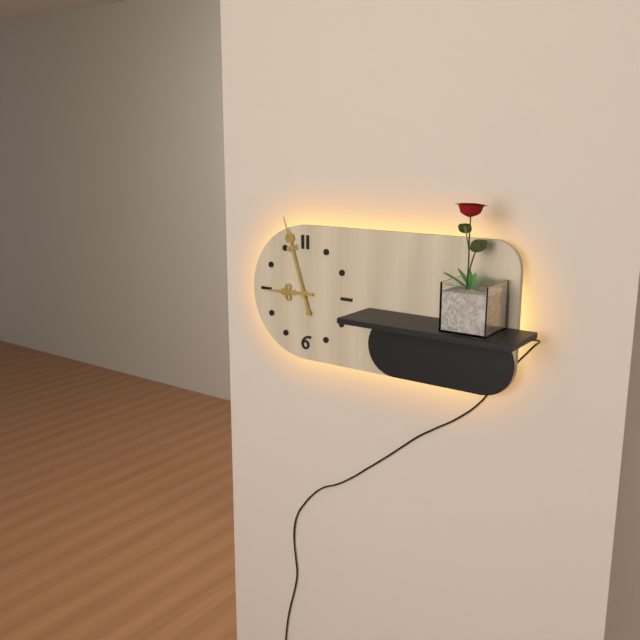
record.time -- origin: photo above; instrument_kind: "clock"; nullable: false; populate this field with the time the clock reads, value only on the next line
8:57
